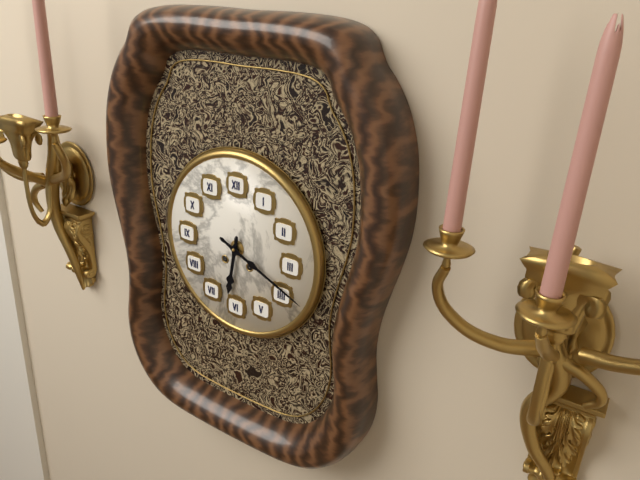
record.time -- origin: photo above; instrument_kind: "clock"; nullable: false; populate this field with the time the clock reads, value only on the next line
6:19
